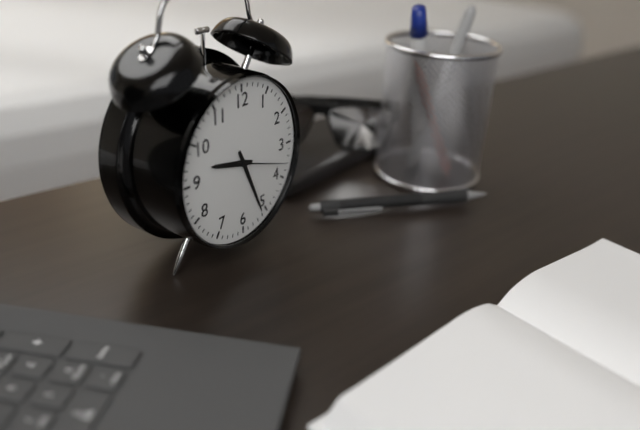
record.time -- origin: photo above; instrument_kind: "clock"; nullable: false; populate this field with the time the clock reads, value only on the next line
9:26:18
